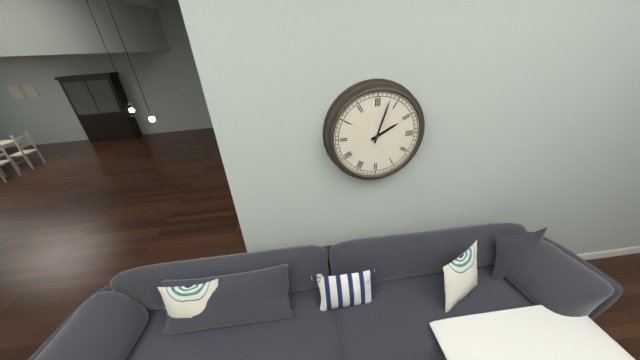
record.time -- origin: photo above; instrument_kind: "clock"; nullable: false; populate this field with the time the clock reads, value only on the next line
2:03
